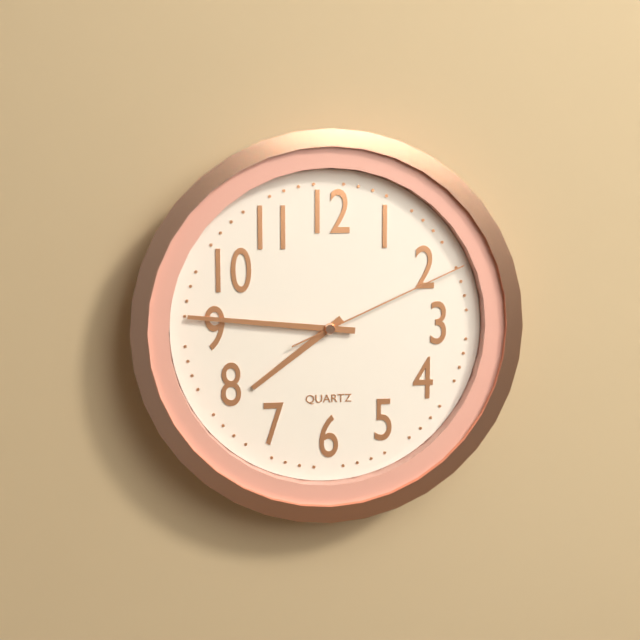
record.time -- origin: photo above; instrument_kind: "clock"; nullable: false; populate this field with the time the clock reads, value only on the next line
7:46:11
